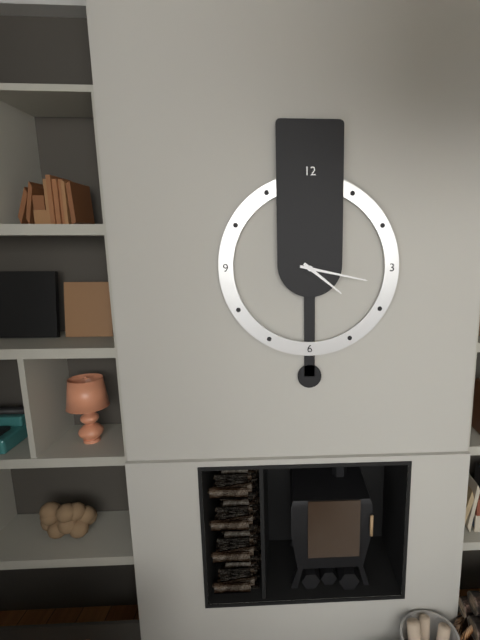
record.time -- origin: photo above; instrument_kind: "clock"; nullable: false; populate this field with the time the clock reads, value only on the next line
4:17
